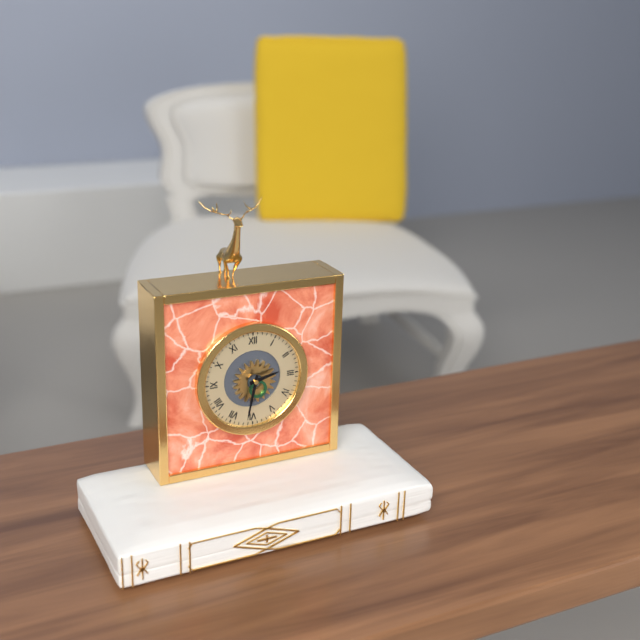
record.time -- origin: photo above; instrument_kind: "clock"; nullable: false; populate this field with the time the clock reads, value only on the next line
2:32
